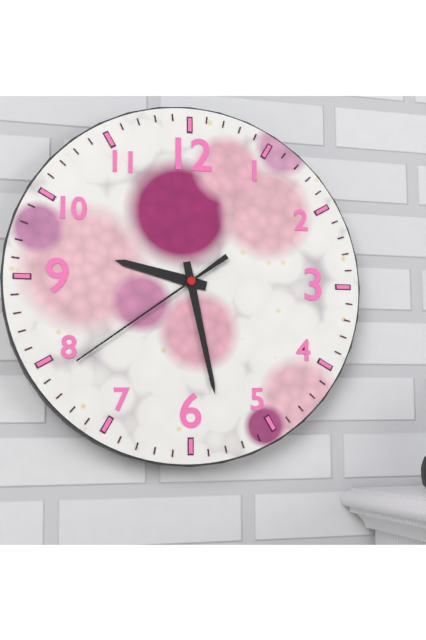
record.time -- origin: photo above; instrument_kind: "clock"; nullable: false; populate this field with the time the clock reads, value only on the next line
9:28:39
